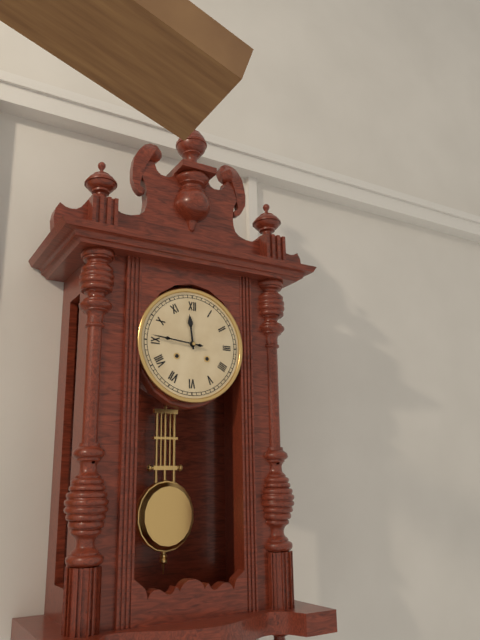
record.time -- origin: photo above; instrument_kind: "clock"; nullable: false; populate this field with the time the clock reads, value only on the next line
11:46
